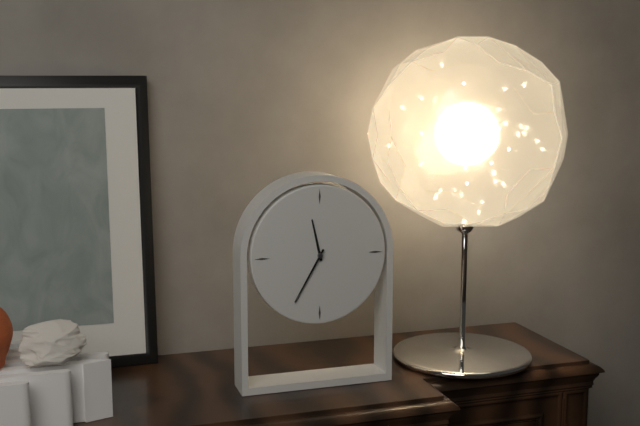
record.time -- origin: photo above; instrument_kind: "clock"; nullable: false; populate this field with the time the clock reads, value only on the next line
11:35
